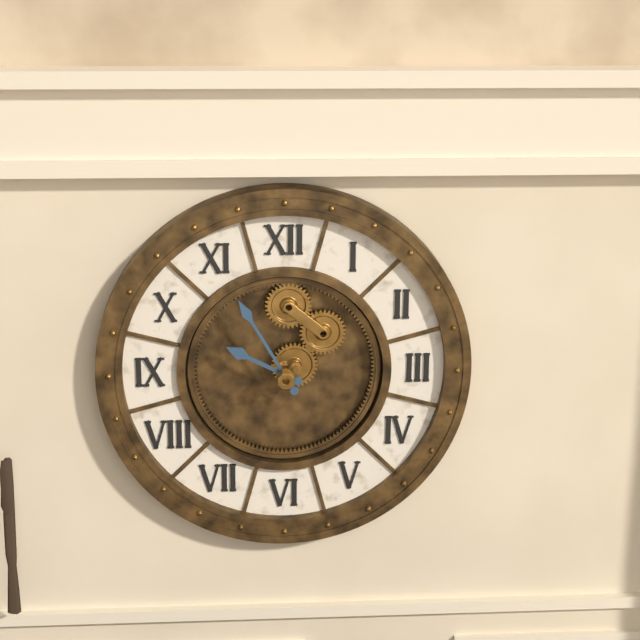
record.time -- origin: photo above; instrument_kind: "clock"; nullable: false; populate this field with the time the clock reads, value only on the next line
9:55
